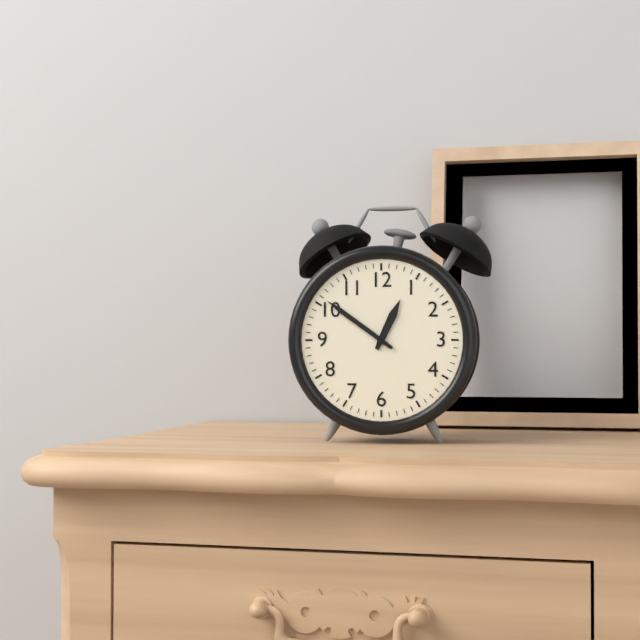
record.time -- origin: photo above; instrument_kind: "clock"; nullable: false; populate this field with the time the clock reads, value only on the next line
12:51
